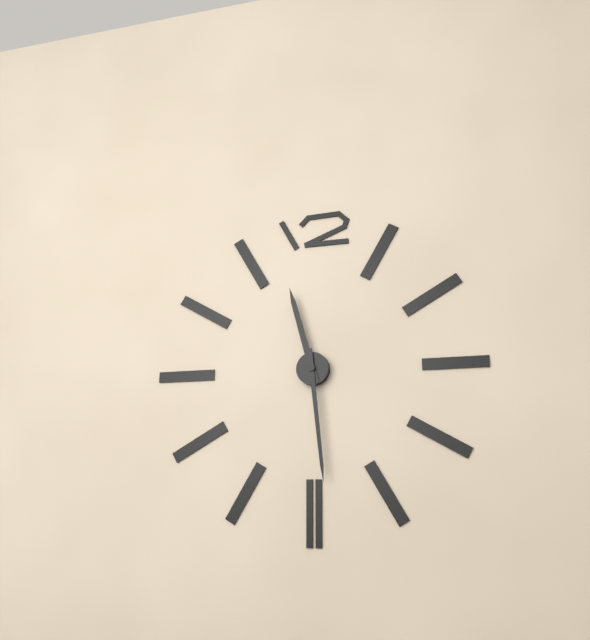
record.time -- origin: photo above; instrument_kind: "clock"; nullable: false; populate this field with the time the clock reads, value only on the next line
11:29
